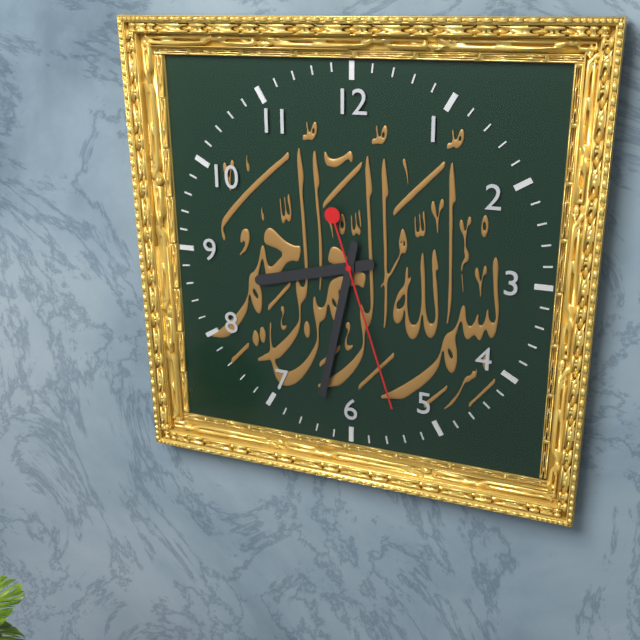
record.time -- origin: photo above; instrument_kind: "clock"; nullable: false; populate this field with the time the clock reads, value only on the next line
8:32:27
